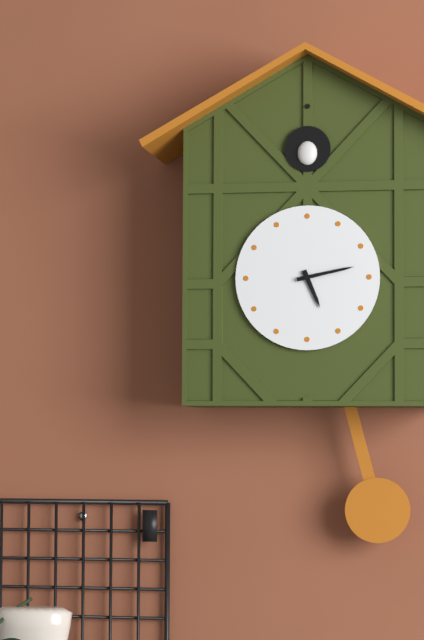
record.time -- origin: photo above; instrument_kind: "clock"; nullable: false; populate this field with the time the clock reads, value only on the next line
5:13
